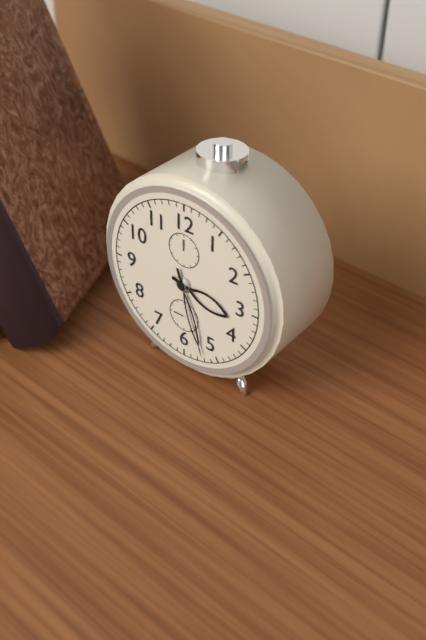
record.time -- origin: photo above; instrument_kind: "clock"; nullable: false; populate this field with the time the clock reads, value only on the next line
3:27
